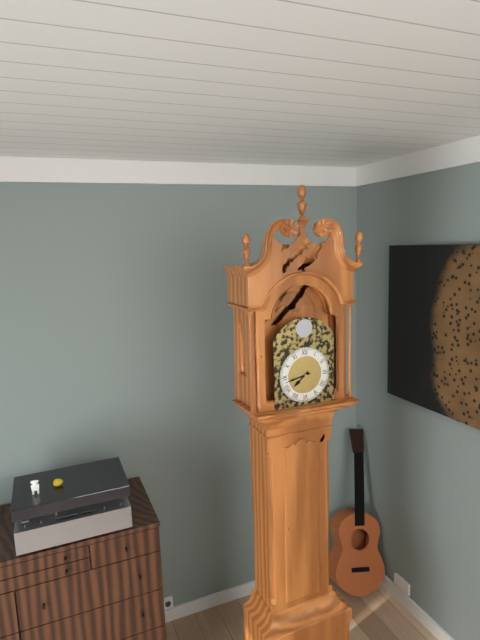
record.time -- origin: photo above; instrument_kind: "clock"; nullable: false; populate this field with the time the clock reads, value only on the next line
7:43
